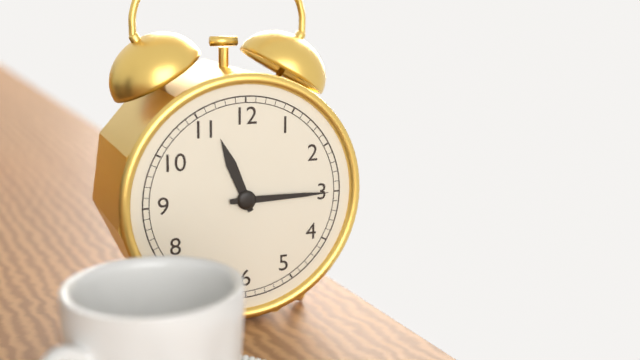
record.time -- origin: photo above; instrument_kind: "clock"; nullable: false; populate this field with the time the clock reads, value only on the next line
11:15
